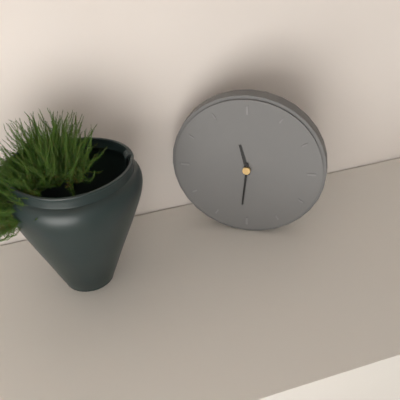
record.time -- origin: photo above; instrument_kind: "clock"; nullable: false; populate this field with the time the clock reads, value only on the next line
11:31
